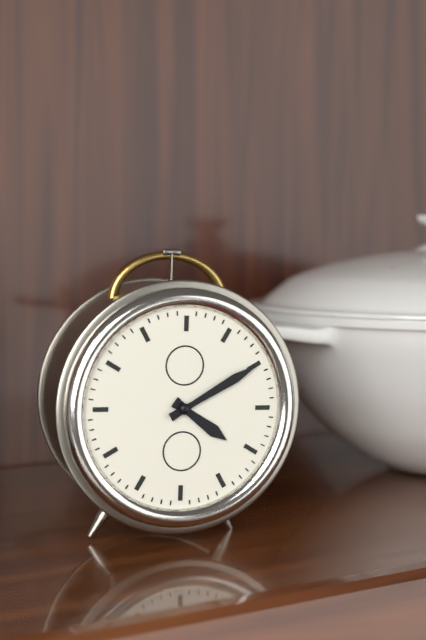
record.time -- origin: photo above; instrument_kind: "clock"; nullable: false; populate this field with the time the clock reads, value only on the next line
4:10
